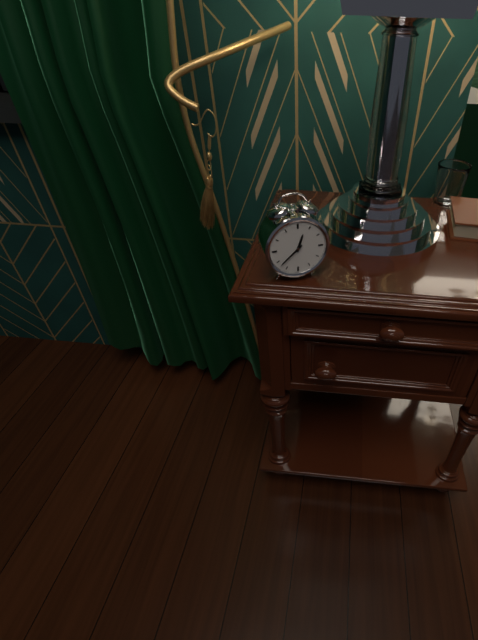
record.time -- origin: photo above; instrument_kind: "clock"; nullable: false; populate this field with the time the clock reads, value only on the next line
12:38
